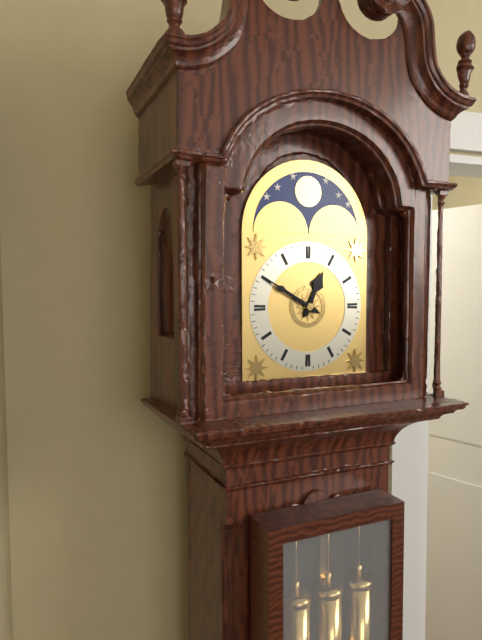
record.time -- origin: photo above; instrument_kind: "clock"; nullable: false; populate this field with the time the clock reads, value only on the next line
12:50
